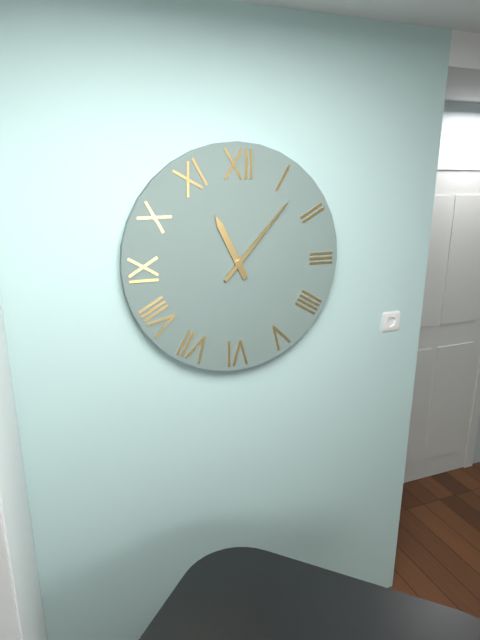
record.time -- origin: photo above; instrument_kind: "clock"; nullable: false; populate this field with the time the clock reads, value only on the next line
11:07
